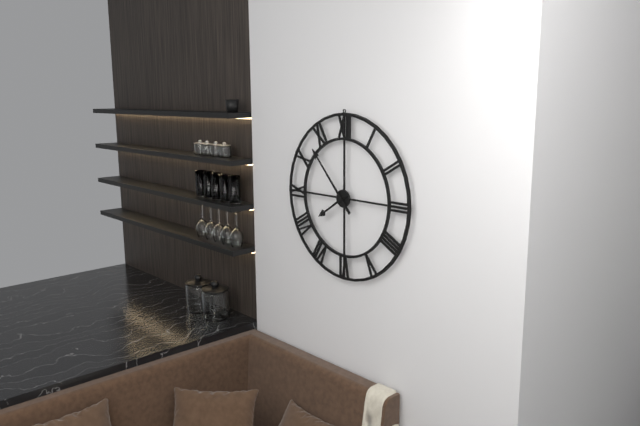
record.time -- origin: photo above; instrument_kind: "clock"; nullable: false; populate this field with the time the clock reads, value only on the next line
7:53
